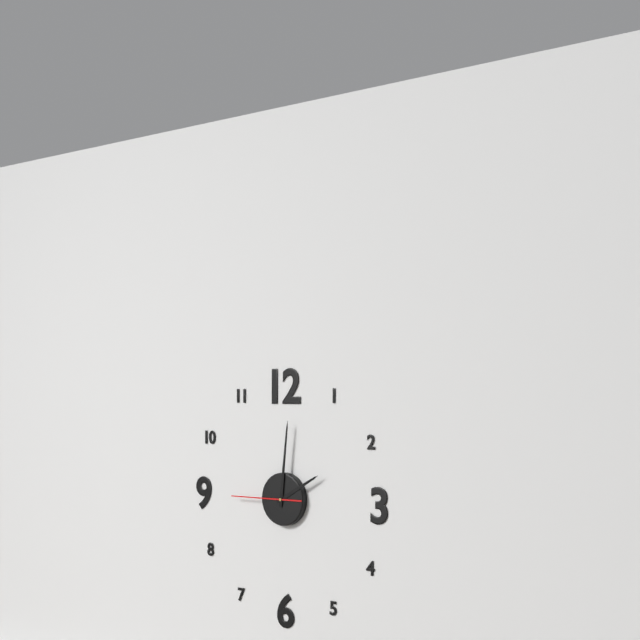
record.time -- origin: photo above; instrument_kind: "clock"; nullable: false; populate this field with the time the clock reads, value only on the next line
2:01:45
